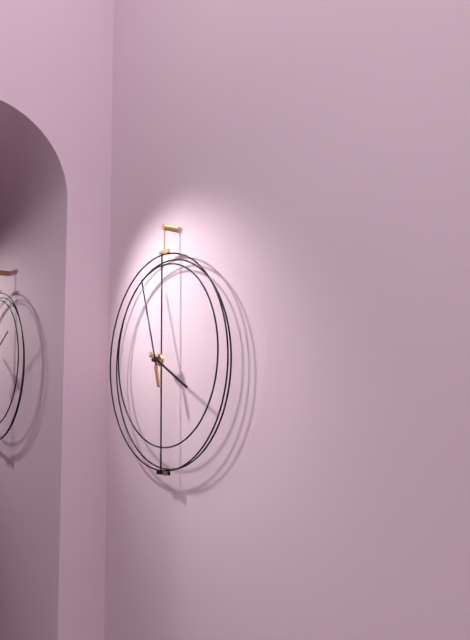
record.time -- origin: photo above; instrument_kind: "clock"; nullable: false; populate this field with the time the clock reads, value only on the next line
3:57
